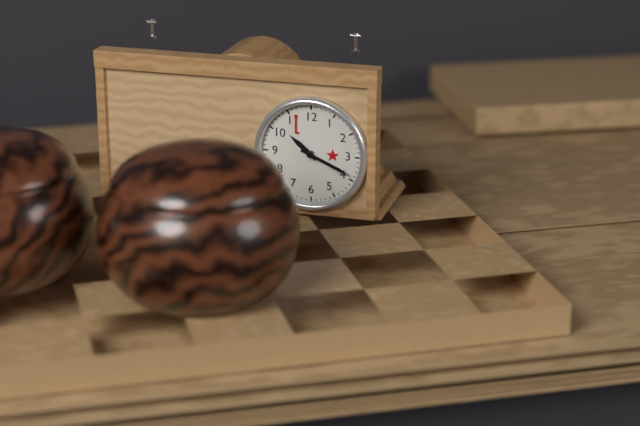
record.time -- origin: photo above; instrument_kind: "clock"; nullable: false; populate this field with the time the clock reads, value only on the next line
10:19
